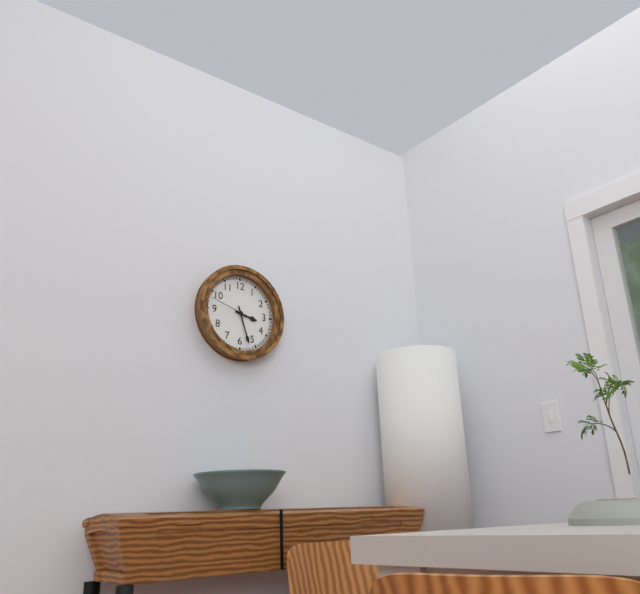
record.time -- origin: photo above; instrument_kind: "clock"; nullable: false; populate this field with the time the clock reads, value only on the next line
3:27
